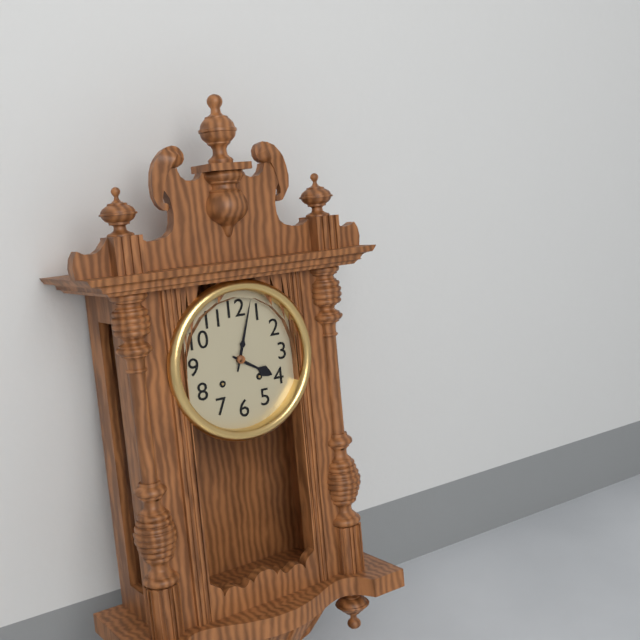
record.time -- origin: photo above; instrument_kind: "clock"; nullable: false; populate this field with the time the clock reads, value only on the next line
4:03
